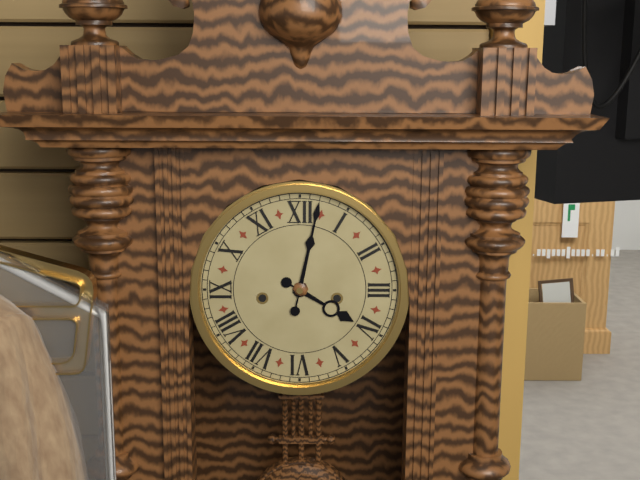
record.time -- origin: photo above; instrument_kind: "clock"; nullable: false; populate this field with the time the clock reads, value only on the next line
4:02
